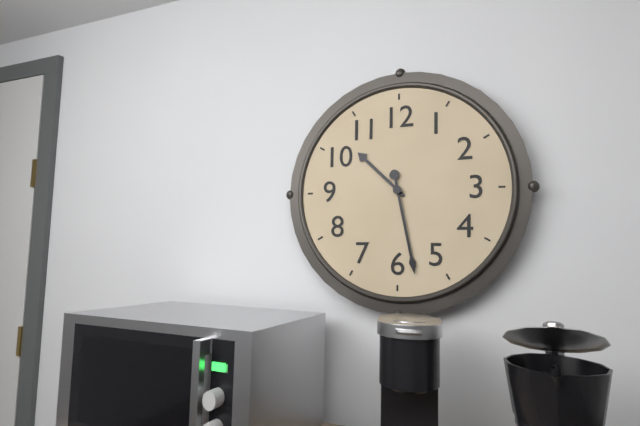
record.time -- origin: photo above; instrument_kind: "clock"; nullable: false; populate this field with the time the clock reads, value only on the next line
10:28
